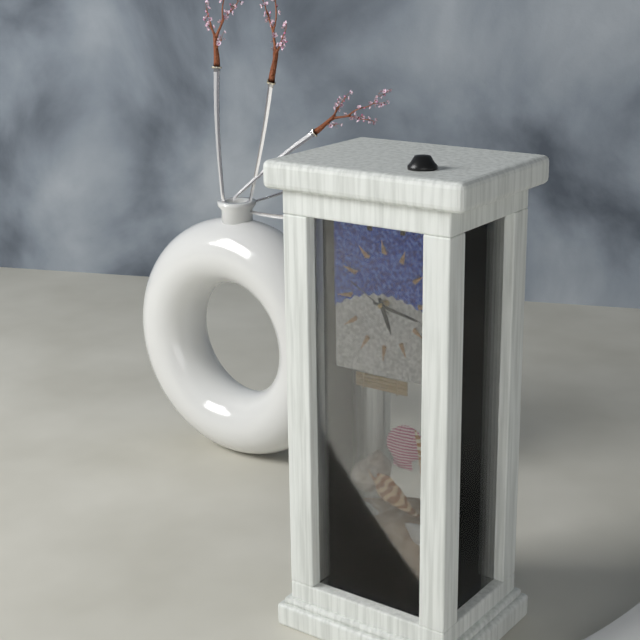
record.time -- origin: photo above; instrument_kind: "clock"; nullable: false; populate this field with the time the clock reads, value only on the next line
5:17
